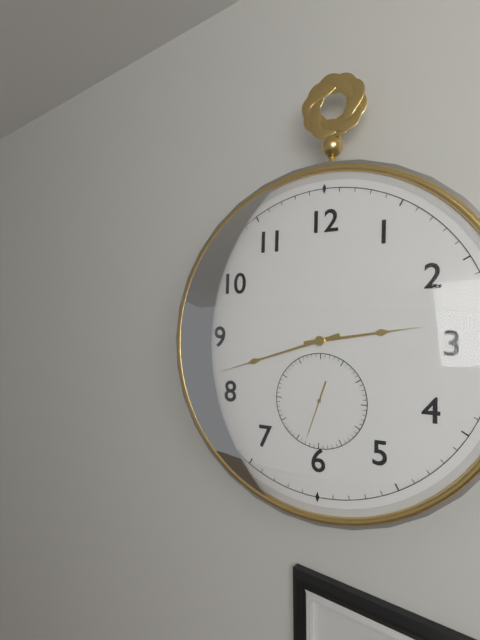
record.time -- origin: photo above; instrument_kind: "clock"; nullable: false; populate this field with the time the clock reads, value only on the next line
2:42
